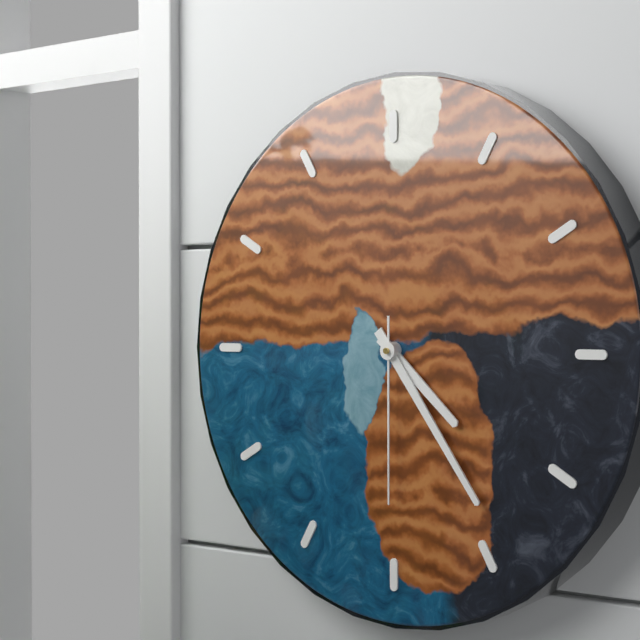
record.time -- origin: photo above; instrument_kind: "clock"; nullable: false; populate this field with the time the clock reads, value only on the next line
4:24:30
